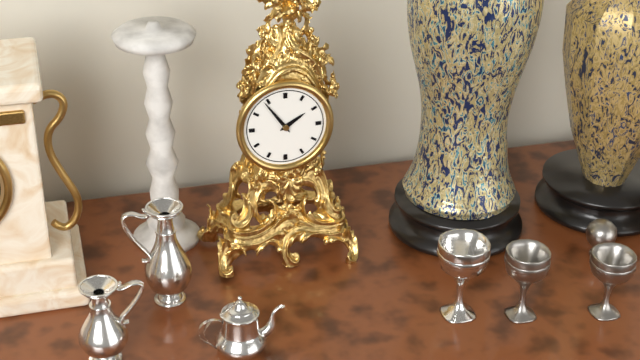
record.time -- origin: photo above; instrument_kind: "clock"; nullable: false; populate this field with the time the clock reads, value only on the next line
1:54
